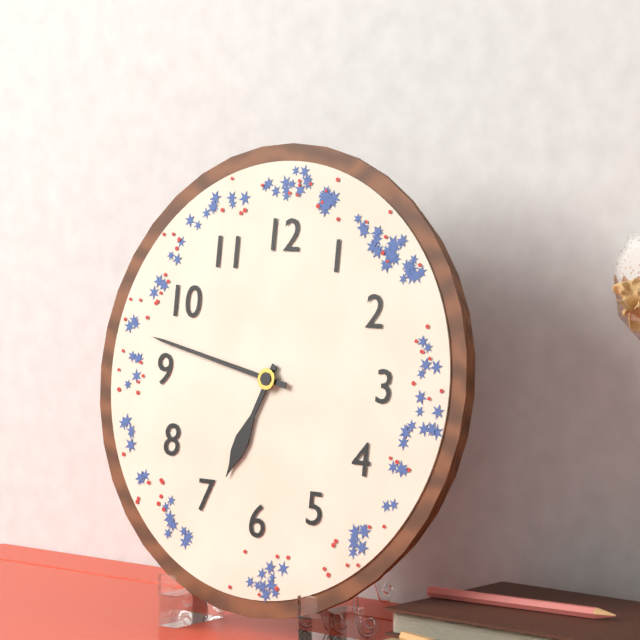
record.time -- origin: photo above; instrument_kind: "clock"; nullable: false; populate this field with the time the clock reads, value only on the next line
6:47
